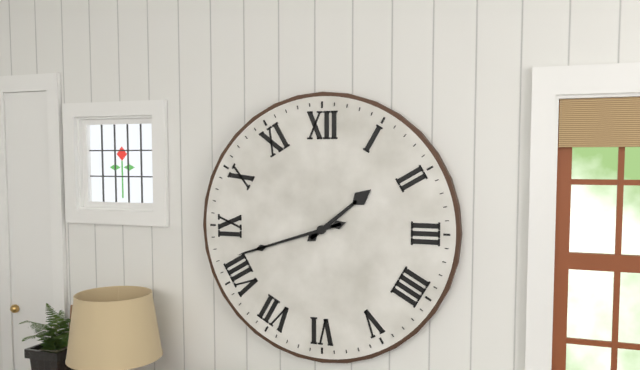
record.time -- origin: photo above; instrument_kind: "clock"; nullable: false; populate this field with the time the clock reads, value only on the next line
1:42
